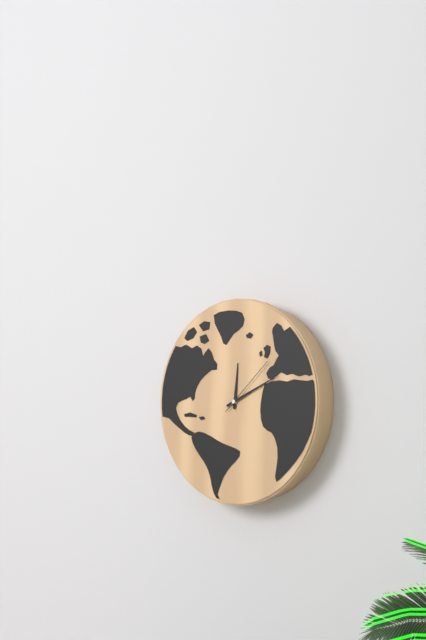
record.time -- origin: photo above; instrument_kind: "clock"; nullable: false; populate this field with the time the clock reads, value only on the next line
12:11:08
